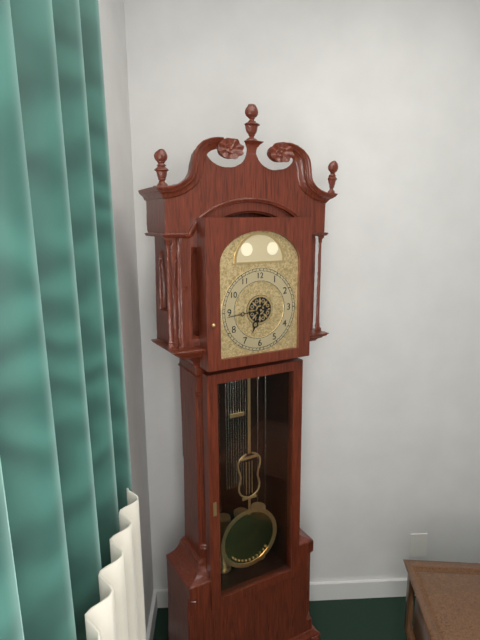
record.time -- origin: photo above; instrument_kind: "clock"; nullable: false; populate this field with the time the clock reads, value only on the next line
6:44
